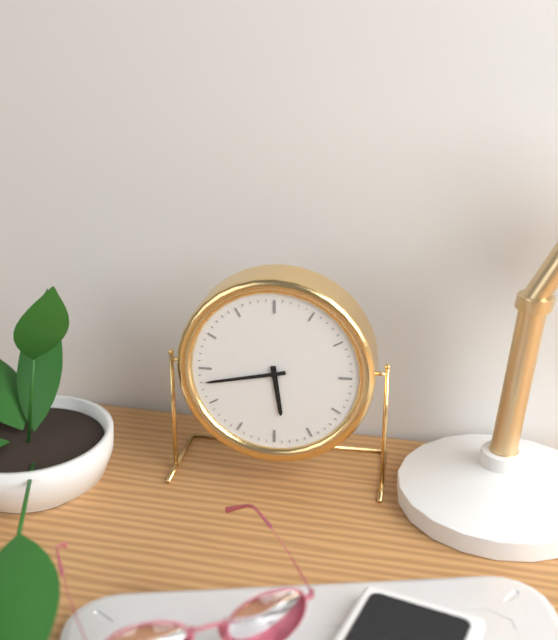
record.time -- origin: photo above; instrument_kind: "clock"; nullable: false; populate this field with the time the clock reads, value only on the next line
5:43
